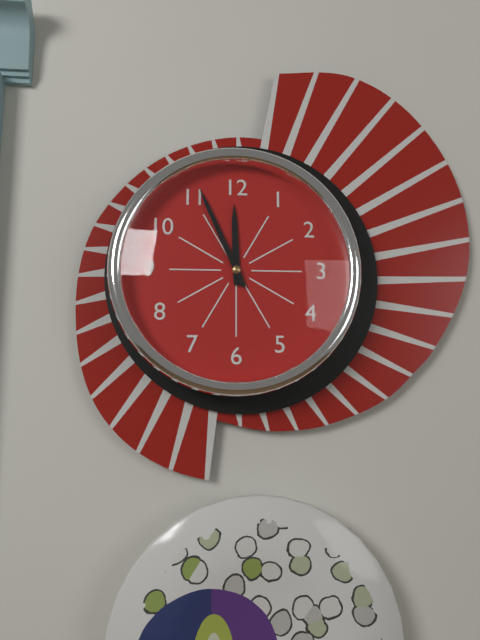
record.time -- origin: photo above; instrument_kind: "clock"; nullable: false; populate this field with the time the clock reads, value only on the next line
11:56
